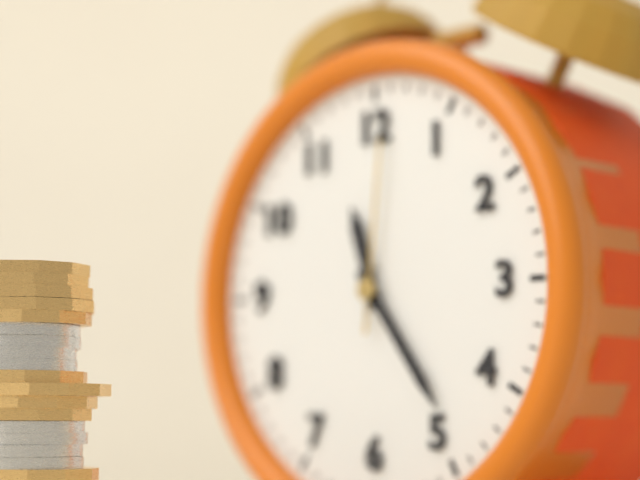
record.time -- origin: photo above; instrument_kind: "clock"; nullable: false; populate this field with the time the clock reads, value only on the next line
11:24:01
